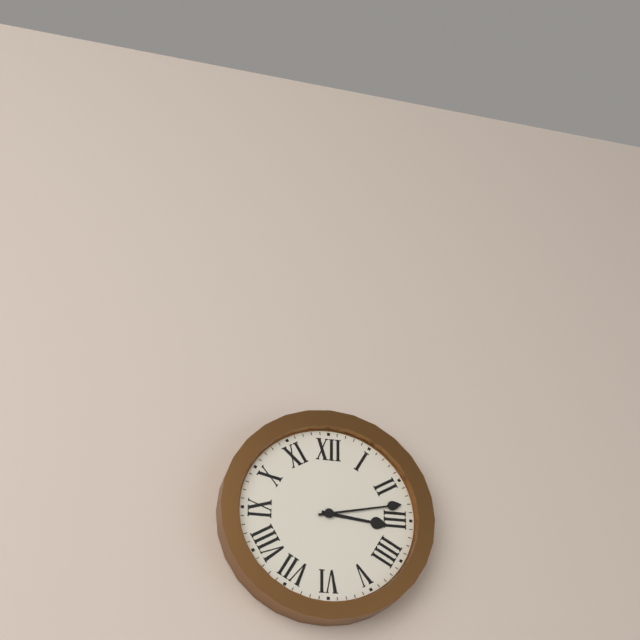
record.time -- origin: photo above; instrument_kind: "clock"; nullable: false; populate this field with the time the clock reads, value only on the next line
3:13
